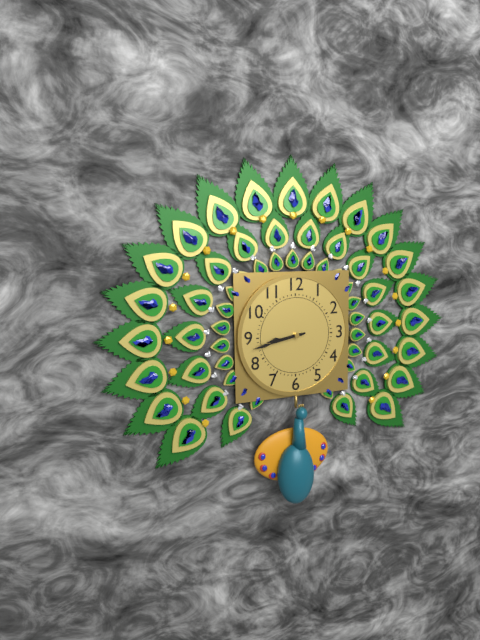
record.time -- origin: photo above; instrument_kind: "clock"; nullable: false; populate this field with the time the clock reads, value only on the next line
8:43
